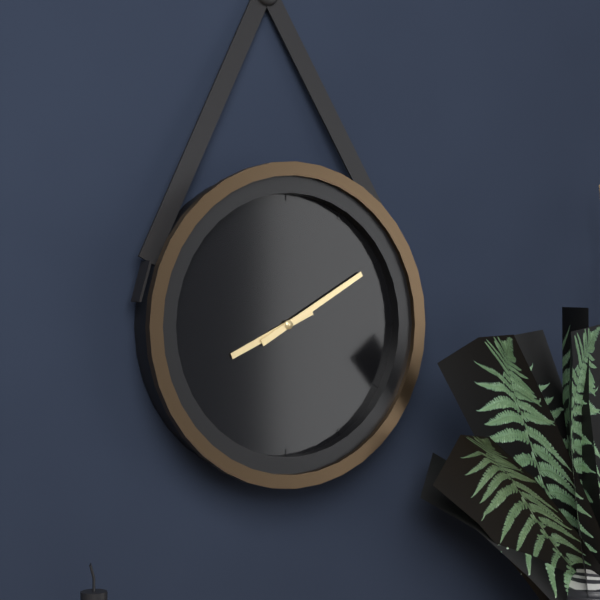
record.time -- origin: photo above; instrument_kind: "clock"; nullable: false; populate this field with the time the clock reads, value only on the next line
8:10
